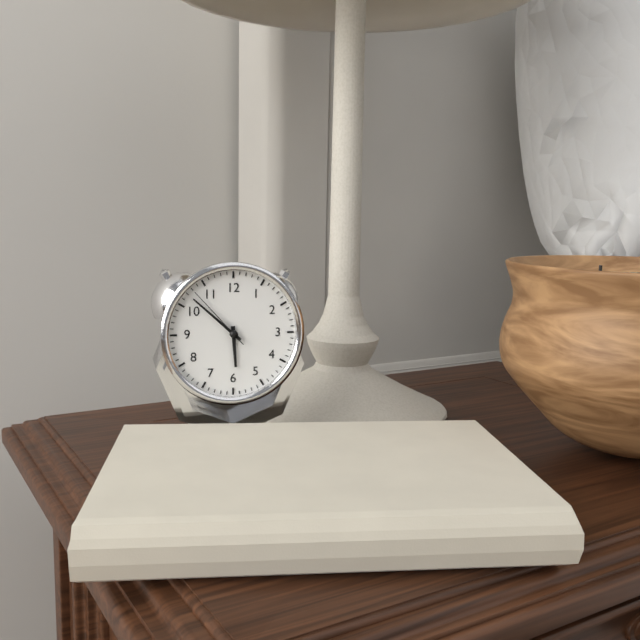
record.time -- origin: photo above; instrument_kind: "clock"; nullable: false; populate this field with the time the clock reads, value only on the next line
5:52:53
